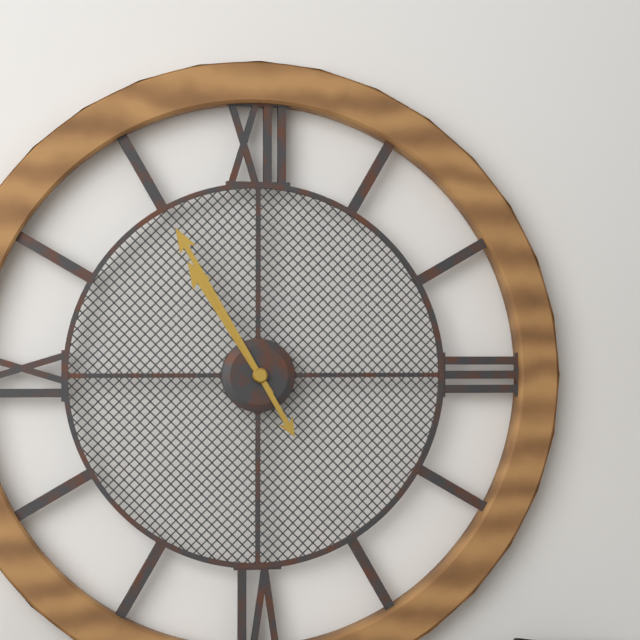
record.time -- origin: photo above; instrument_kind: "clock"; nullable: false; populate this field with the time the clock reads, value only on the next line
10:55
